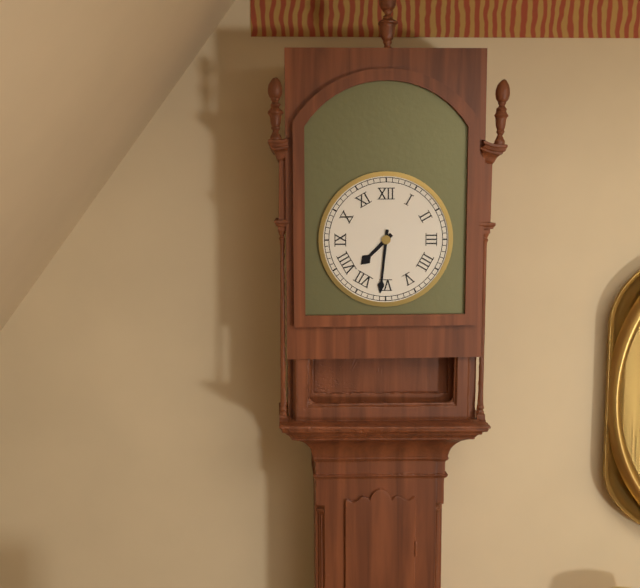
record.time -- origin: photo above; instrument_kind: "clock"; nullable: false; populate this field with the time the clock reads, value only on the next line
7:31
